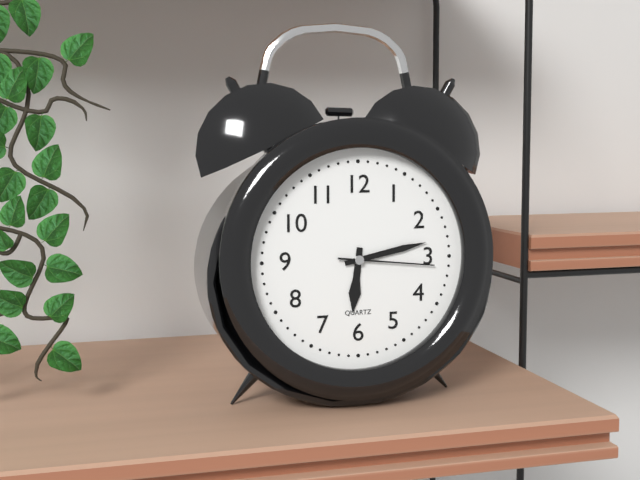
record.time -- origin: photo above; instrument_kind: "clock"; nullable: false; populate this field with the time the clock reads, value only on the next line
6:13:16
